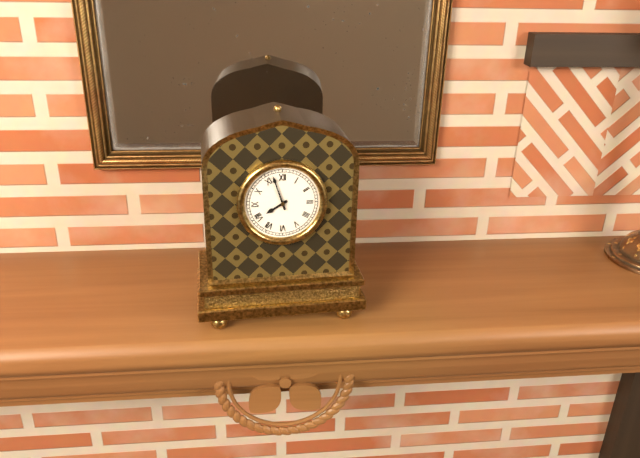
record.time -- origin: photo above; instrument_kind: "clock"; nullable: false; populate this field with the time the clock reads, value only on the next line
7:57
